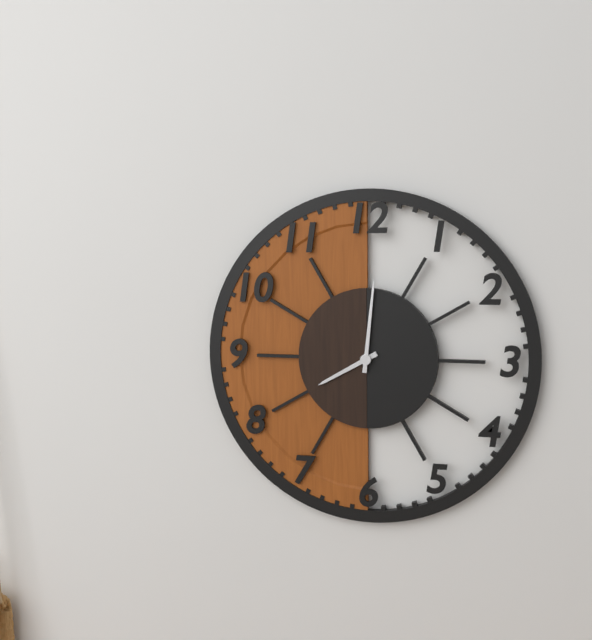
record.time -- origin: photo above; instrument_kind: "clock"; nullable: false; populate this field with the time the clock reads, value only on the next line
8:01
